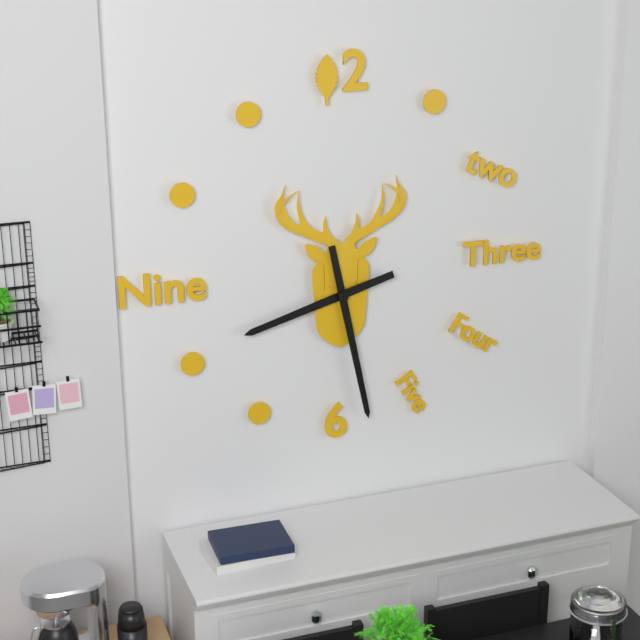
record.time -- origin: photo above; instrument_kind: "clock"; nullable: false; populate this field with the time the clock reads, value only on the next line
8:28
